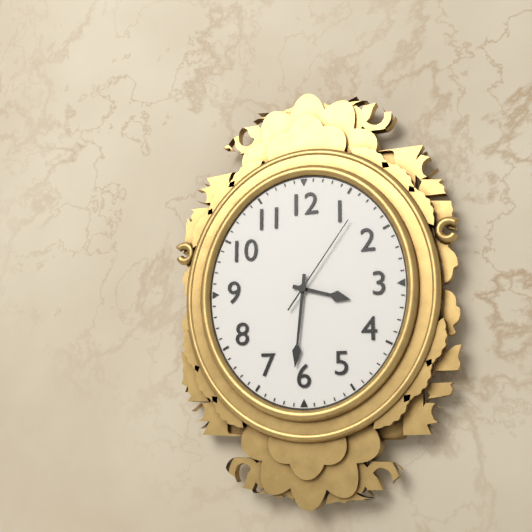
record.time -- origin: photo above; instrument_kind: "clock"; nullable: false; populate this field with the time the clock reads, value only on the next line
3:31:06
